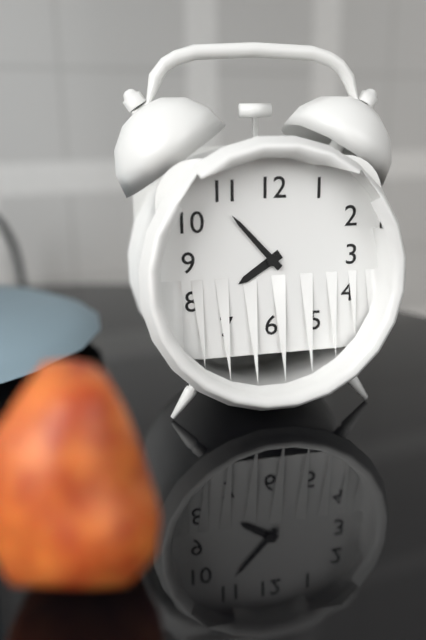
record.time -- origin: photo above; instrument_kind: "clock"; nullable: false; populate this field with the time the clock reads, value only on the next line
7:53
